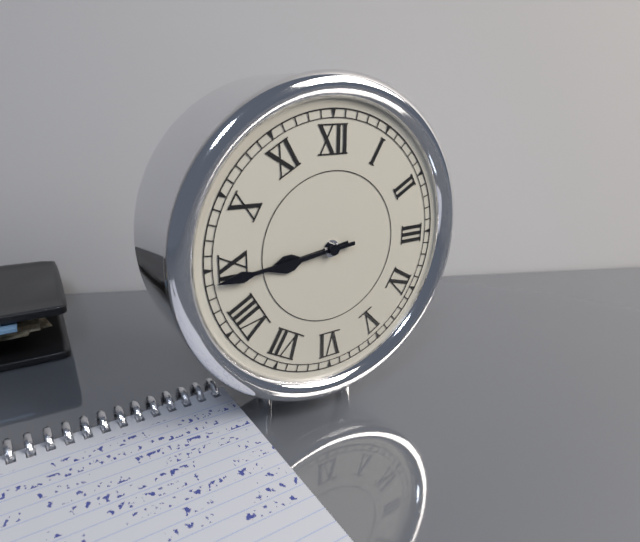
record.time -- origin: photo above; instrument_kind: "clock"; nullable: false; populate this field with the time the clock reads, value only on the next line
8:44
